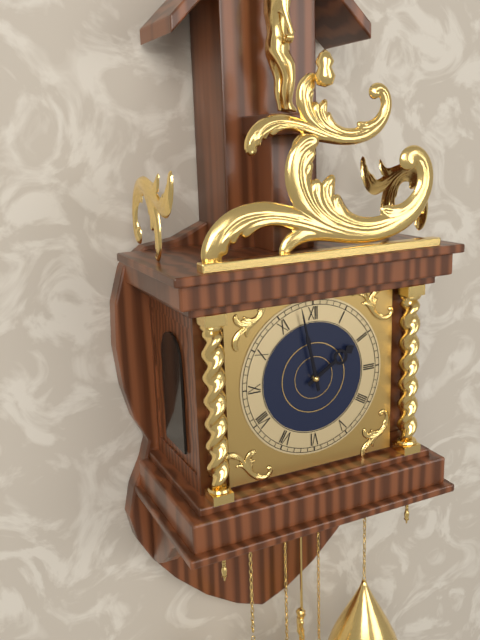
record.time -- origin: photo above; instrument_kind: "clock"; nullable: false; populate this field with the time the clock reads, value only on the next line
1:58
